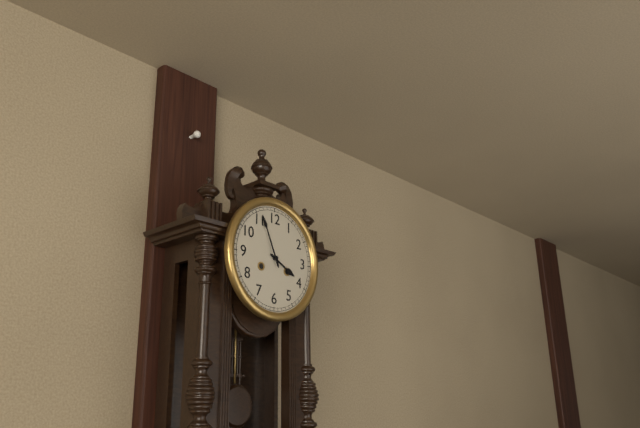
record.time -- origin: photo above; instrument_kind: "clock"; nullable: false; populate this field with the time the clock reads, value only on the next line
3:56
